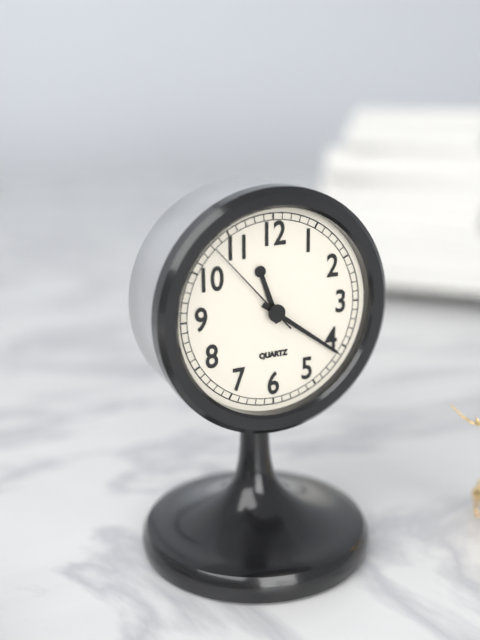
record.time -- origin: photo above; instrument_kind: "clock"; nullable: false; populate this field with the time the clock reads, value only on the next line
11:21:53
